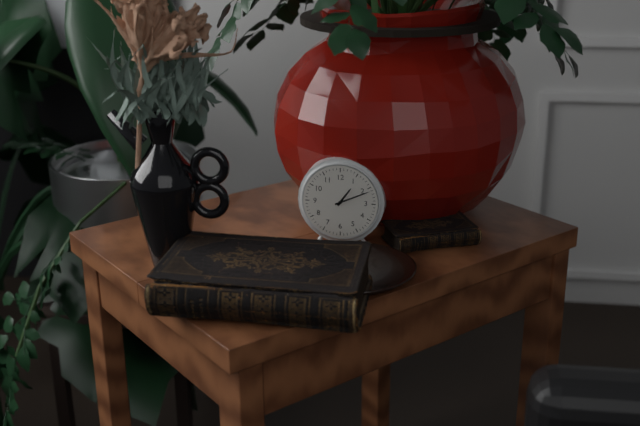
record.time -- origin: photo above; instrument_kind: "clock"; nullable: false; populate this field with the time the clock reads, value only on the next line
1:11
